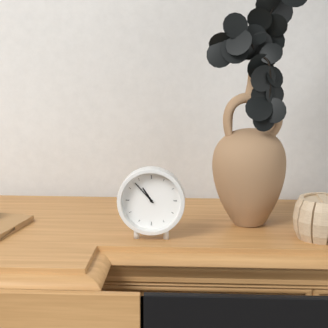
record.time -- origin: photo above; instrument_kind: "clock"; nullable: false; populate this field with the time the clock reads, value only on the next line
10:53
